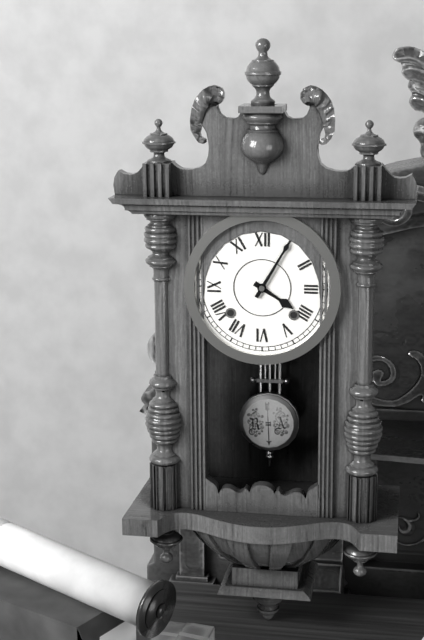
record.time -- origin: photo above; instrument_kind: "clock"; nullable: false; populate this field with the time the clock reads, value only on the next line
4:05
